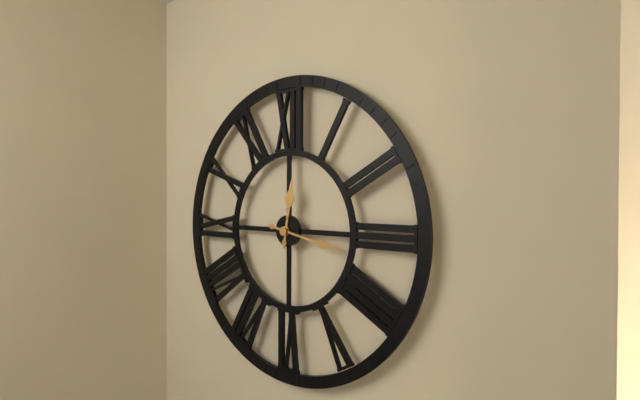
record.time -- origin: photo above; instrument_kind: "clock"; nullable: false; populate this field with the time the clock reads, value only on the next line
12:17
